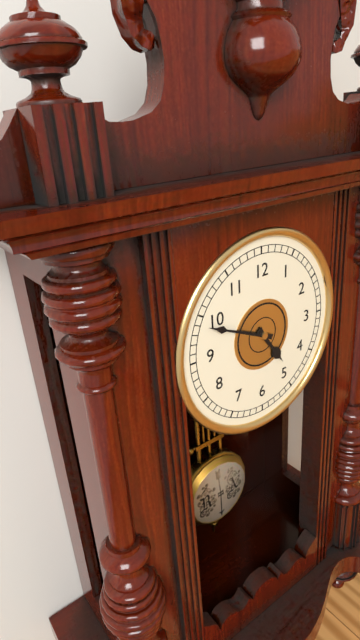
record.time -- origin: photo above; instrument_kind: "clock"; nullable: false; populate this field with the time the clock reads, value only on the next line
4:49
